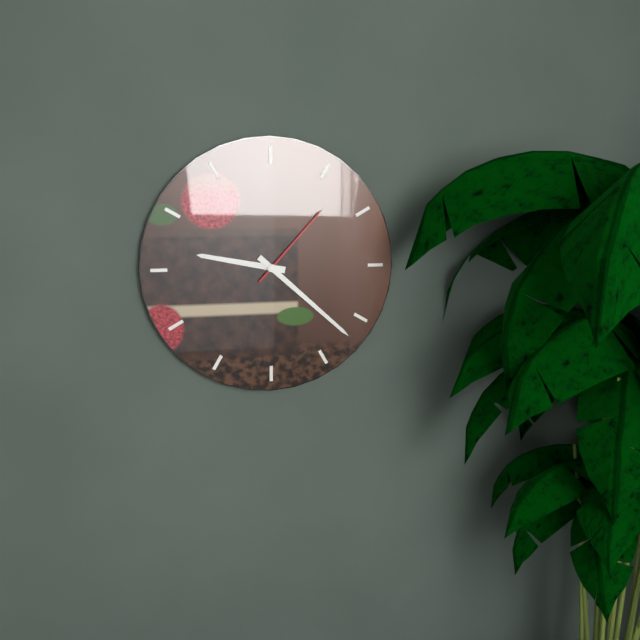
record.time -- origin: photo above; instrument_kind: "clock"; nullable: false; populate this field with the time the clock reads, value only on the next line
9:22:07
